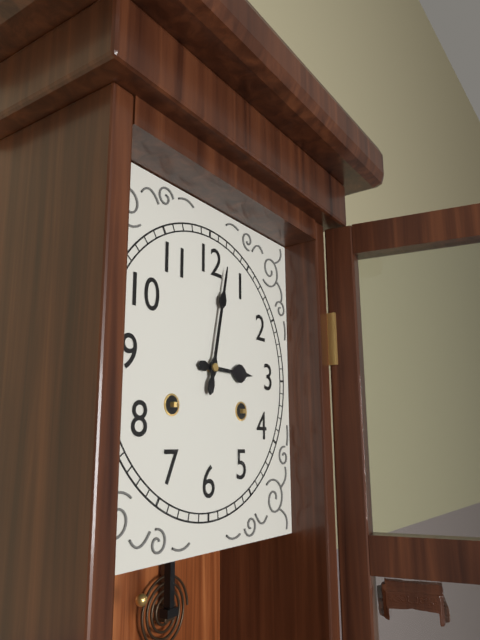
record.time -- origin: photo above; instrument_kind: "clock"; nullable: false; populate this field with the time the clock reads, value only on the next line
3:02
